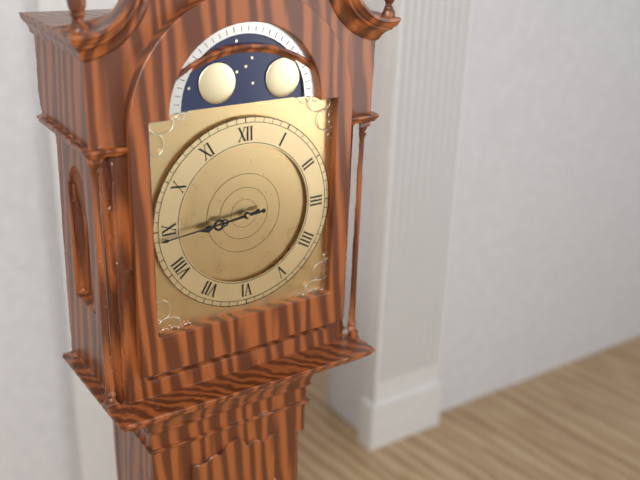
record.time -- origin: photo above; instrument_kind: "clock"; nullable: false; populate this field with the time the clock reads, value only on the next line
8:44
